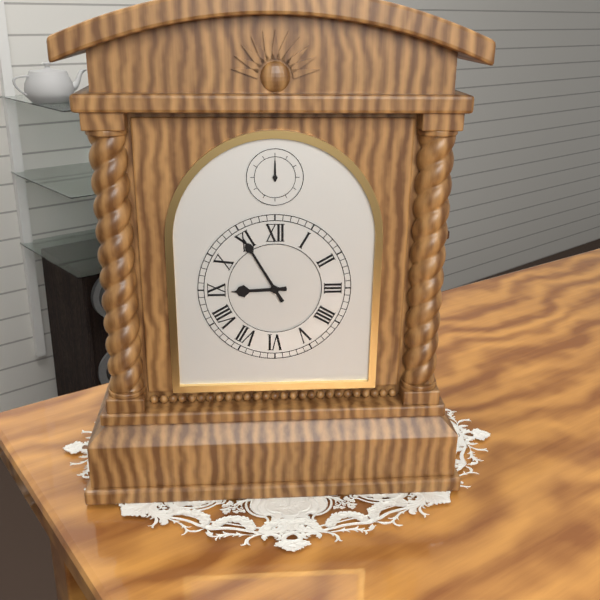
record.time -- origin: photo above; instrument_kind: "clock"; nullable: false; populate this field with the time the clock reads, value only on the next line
8:55
